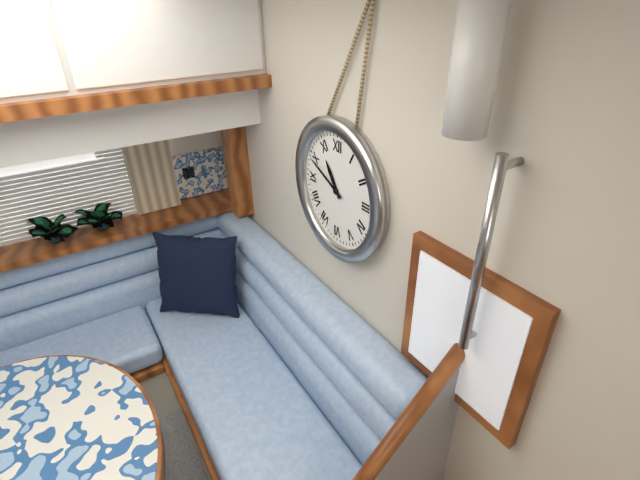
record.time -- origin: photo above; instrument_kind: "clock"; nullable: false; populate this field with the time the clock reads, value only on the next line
10:49
